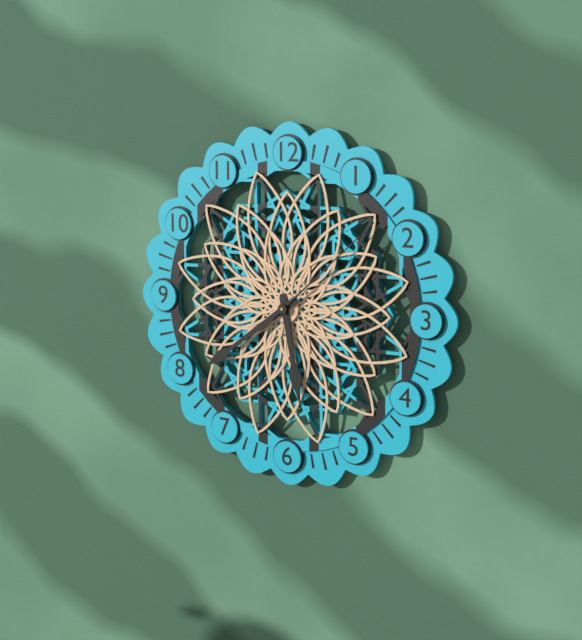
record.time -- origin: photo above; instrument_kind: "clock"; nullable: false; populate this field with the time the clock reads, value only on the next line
5:39:08
